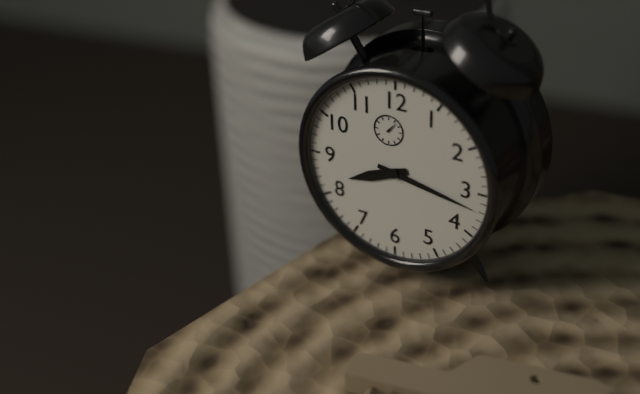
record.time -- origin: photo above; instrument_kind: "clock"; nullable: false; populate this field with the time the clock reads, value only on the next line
8:17
